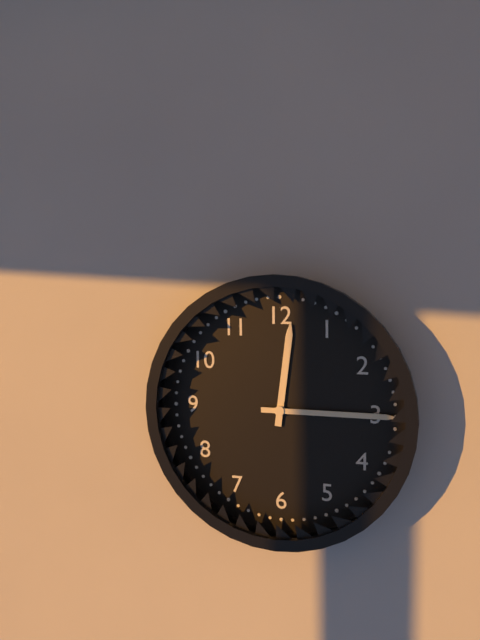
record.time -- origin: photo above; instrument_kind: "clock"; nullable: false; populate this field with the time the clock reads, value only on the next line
12:15
